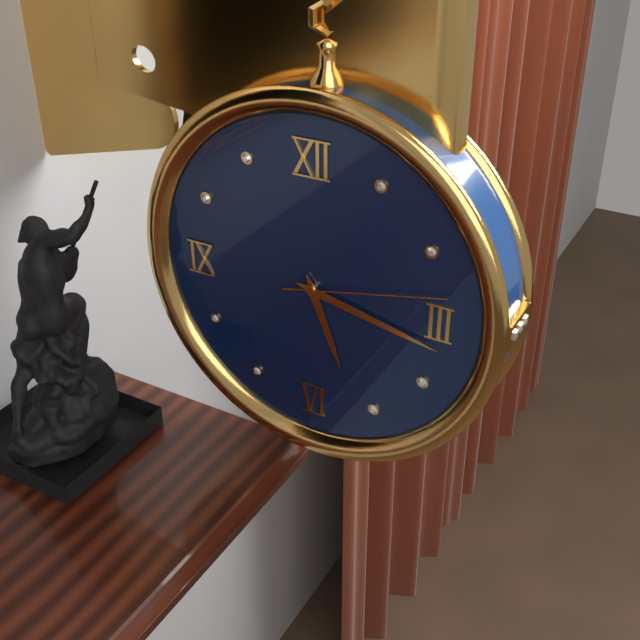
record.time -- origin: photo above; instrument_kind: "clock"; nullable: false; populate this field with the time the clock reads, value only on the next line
5:17:13
